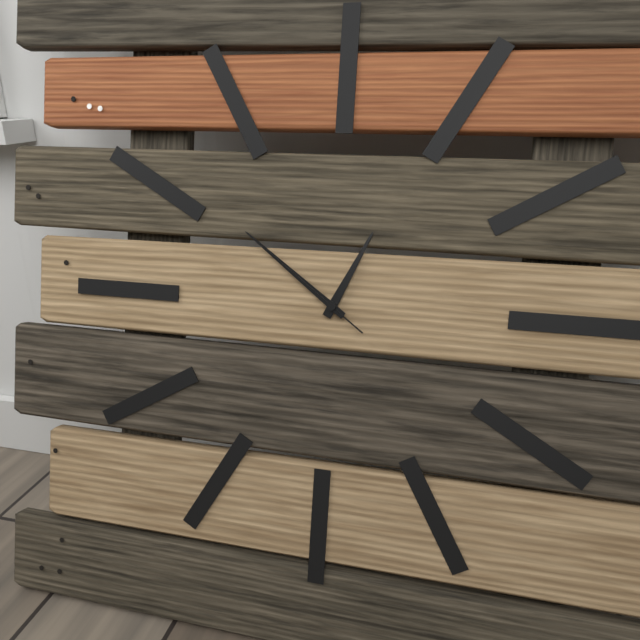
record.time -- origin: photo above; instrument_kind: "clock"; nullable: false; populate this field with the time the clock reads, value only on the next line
12:51:51
